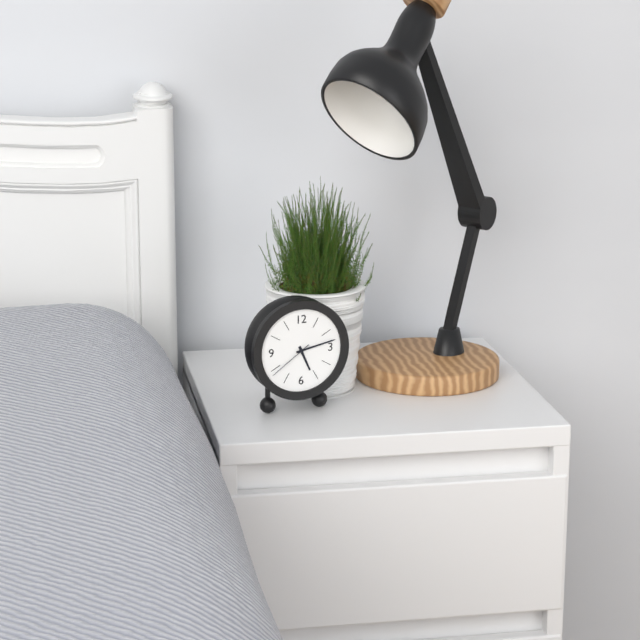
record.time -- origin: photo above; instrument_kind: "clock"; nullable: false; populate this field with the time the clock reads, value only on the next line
5:13
